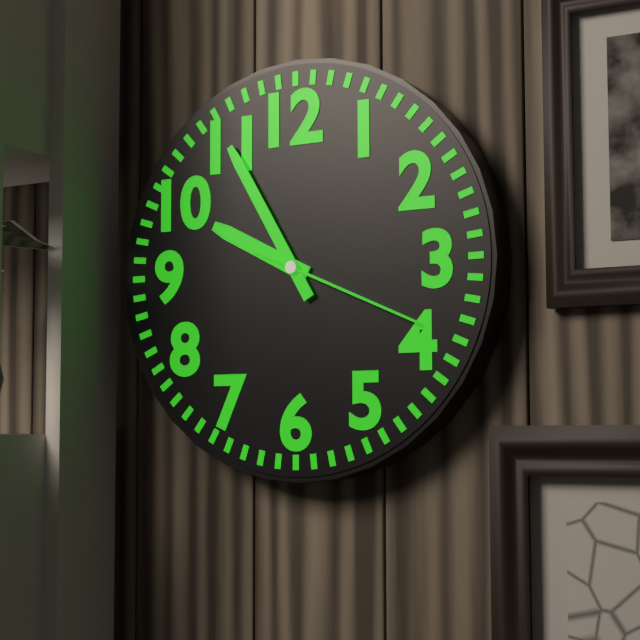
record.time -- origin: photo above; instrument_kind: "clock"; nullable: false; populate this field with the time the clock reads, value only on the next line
9:55:19
